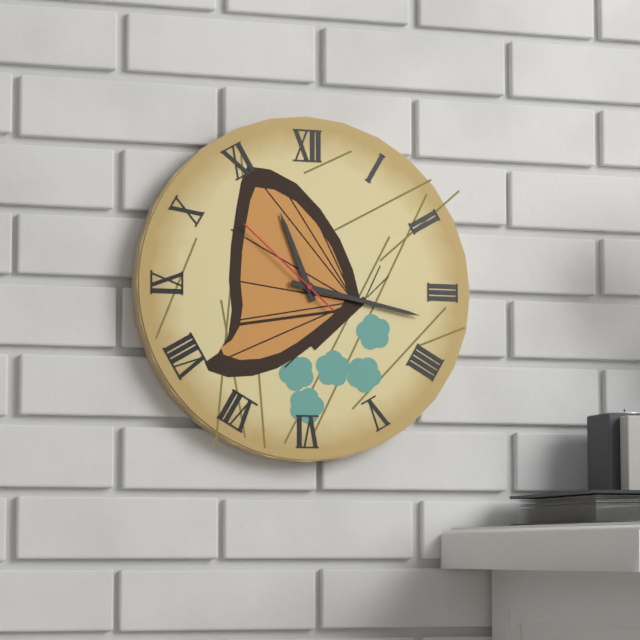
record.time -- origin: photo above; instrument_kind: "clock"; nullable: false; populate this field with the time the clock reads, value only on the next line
11:17:52
